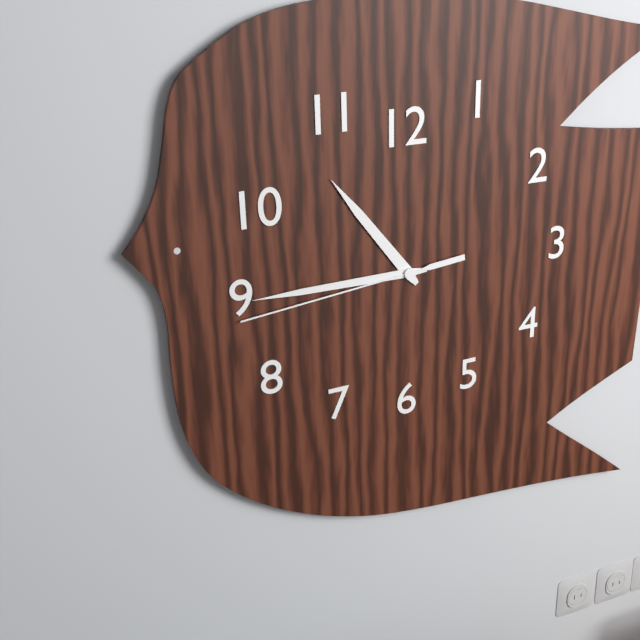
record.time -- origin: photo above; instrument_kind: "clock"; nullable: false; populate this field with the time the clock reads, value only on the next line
10:45:44
